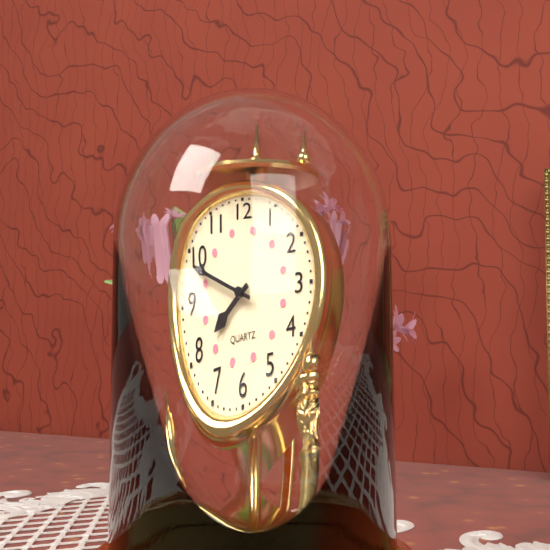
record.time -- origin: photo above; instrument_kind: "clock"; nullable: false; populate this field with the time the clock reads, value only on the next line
7:49
